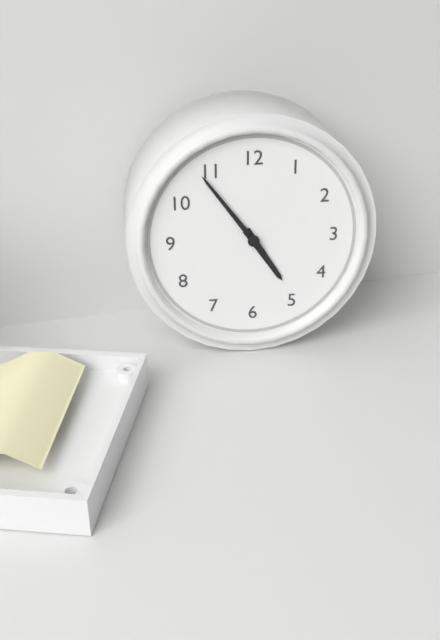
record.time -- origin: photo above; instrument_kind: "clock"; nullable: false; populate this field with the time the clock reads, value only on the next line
4:54
